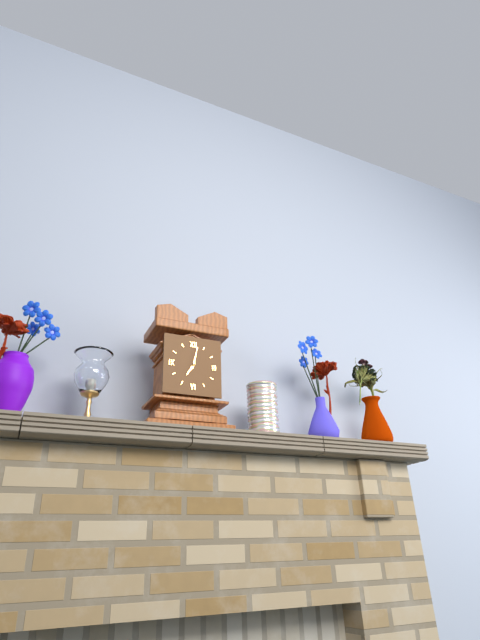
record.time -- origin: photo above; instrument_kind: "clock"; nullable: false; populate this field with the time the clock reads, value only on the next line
7:02
